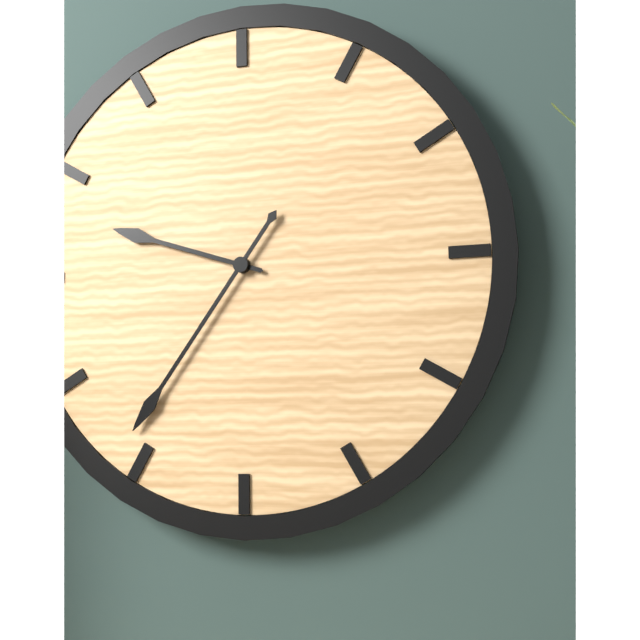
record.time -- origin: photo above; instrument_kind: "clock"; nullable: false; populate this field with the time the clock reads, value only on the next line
9:36
